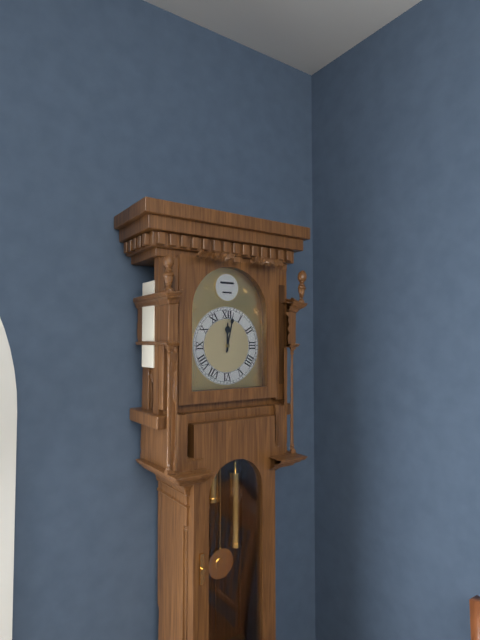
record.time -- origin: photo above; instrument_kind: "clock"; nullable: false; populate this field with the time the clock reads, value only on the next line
12:02
